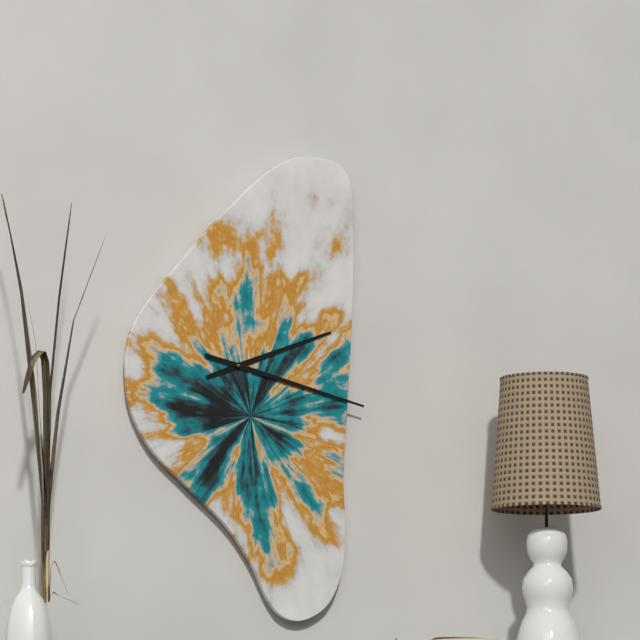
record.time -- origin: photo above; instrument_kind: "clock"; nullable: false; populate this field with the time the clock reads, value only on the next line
2:17
